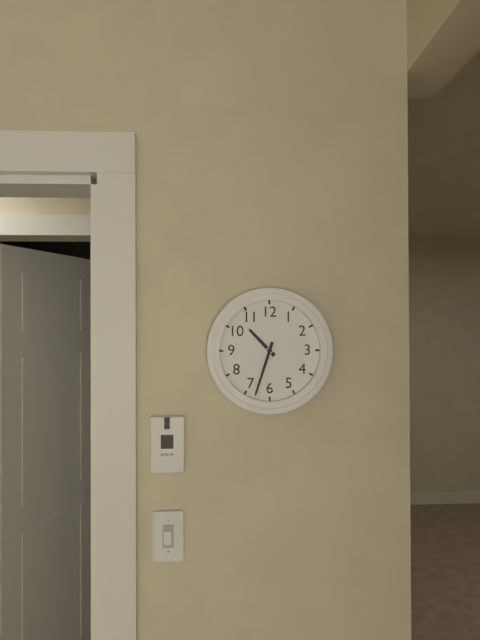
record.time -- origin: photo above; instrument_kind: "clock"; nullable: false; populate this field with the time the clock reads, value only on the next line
10:33
